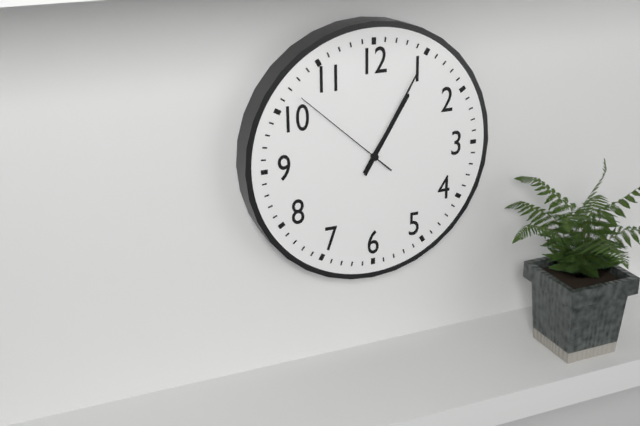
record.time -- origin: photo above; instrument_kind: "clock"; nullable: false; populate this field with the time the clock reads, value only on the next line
1:05:52
